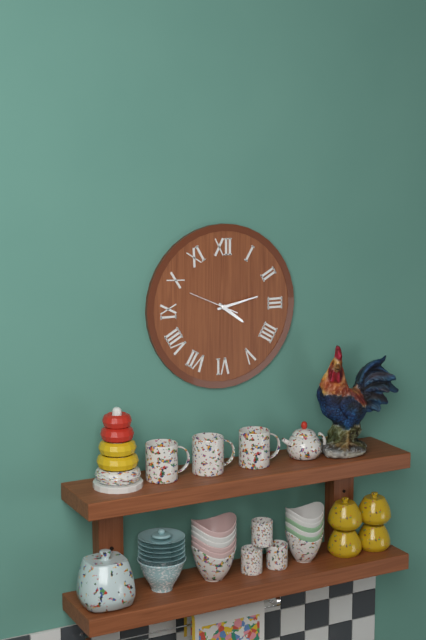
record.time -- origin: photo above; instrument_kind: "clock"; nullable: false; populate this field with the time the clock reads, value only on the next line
4:13
